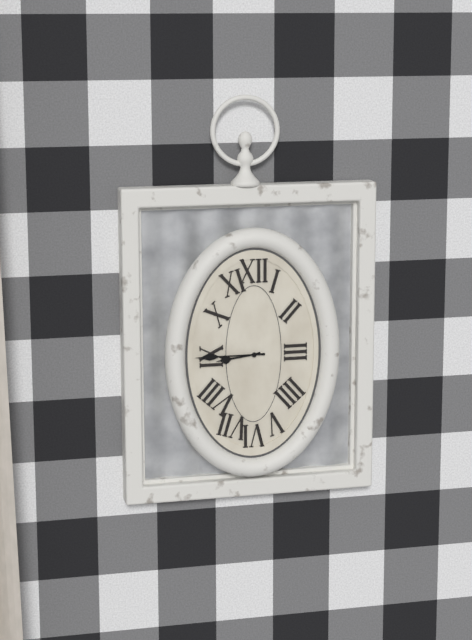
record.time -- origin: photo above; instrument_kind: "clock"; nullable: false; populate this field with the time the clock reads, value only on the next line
8:45
